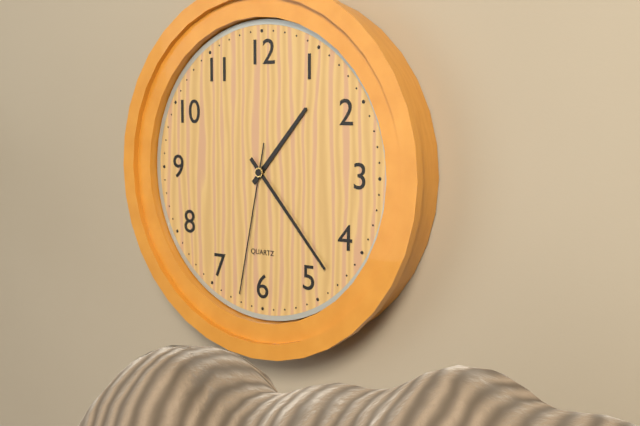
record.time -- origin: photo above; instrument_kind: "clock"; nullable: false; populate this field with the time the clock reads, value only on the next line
1:23:32
